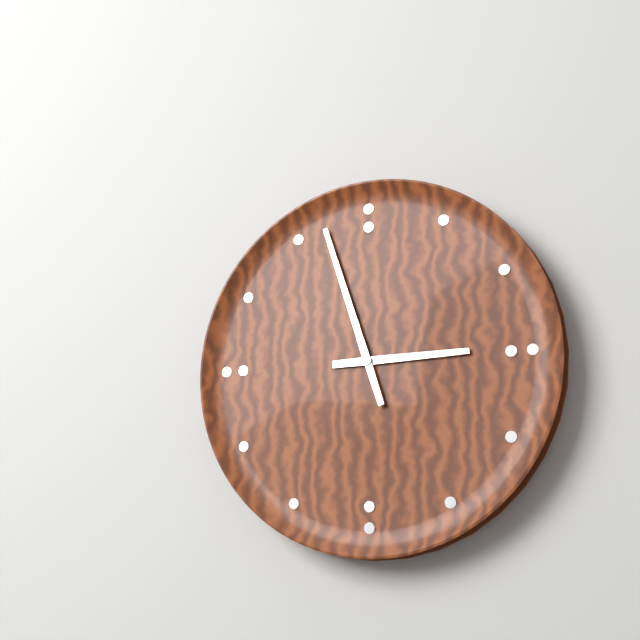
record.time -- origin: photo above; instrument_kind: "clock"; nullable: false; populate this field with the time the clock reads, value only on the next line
2:57
